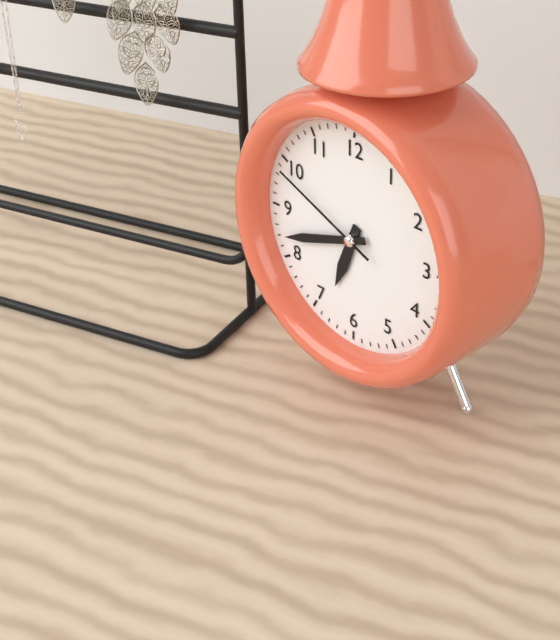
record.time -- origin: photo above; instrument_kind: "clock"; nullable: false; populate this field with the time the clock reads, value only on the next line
6:42:49
